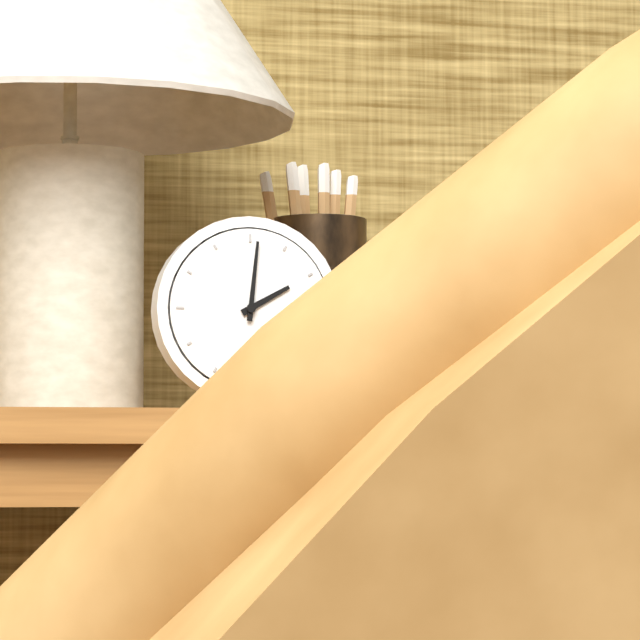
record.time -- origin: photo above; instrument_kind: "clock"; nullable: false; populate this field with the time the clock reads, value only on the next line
2:01
